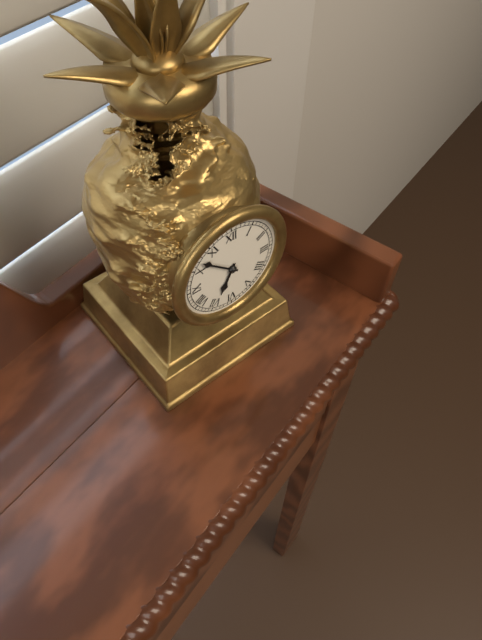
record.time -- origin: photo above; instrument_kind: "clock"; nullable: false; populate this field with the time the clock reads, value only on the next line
6:52
